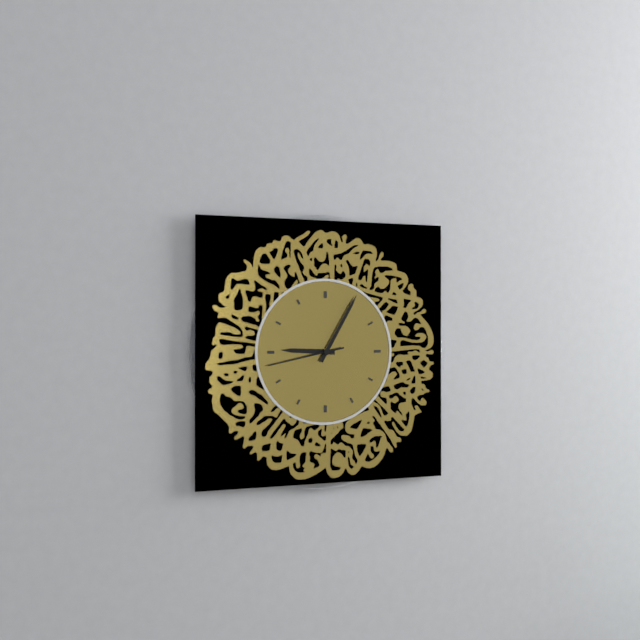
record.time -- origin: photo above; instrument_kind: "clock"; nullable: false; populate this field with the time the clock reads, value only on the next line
9:05:43
